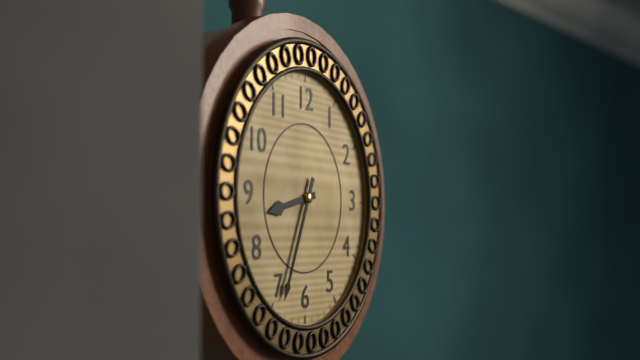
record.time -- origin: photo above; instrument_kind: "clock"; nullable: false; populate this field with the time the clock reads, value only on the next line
8:34
